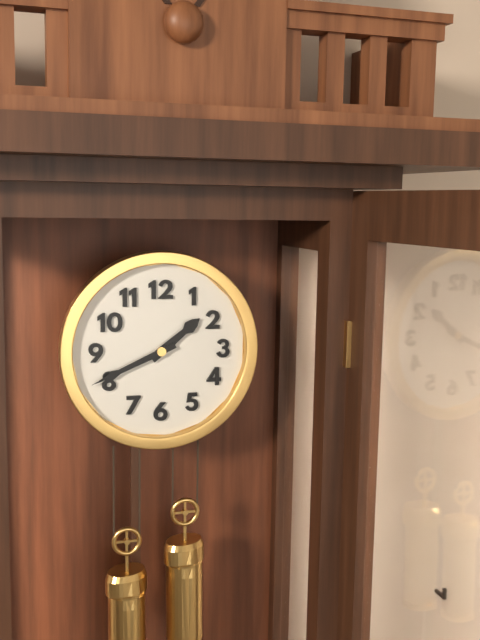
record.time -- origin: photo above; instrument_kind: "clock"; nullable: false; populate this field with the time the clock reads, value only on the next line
1:41
